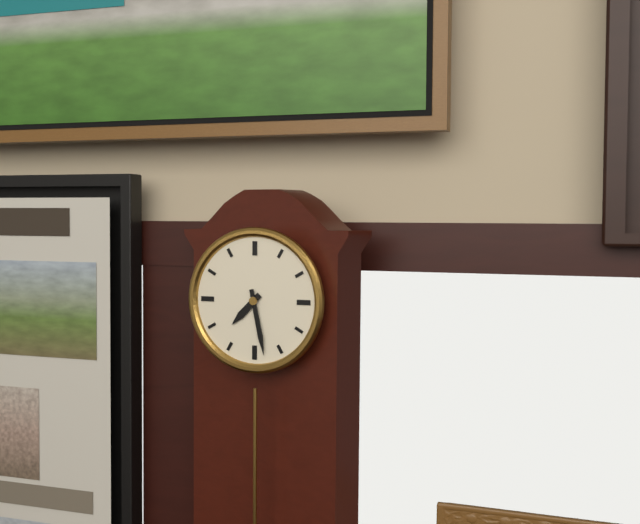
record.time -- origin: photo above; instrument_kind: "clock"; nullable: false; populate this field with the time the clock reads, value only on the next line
7:28
